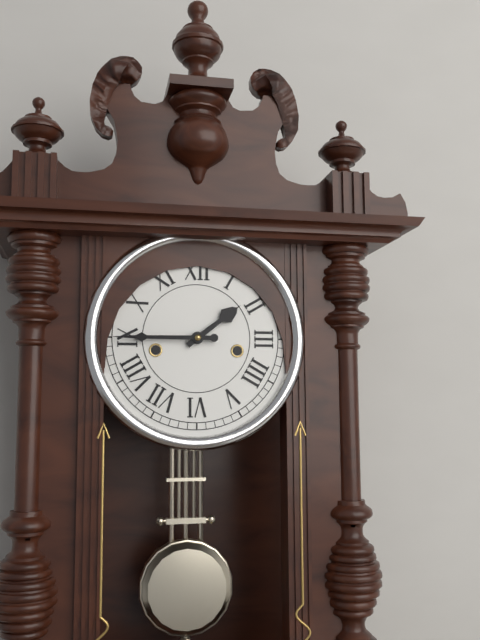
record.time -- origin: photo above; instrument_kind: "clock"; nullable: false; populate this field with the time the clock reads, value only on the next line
1:45
